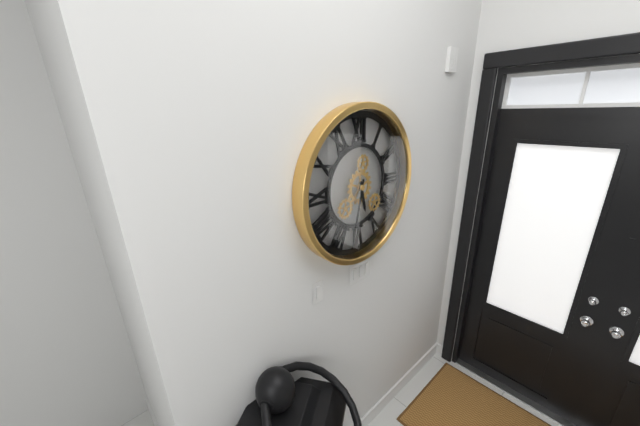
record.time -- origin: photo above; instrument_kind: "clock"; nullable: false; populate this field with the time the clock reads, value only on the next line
5:32
